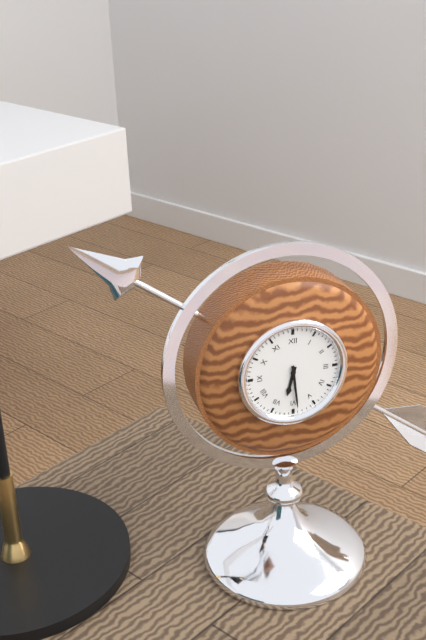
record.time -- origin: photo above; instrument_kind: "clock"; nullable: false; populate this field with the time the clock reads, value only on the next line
6:29
